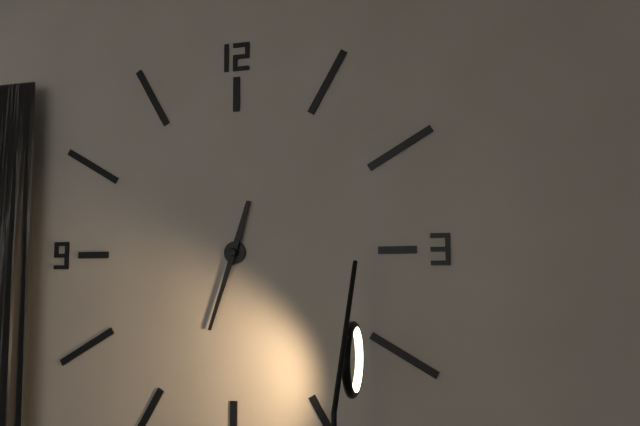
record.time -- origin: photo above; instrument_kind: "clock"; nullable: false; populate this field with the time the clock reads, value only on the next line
12:33
